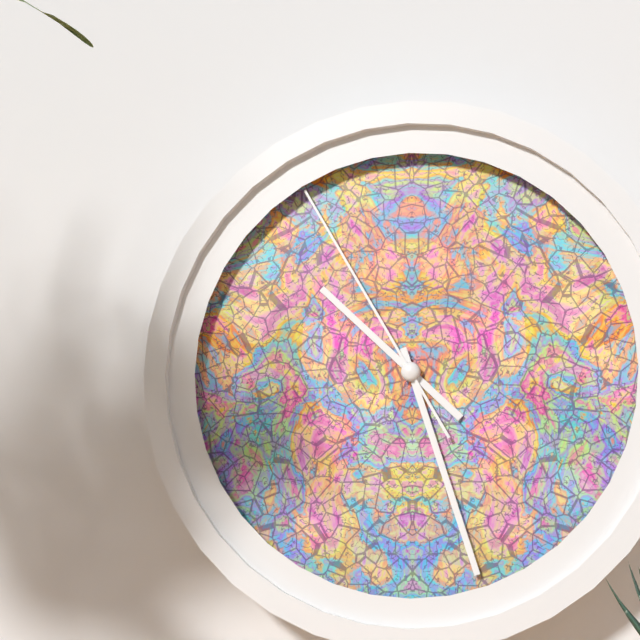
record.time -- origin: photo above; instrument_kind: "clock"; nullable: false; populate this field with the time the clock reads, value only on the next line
10:27:55
